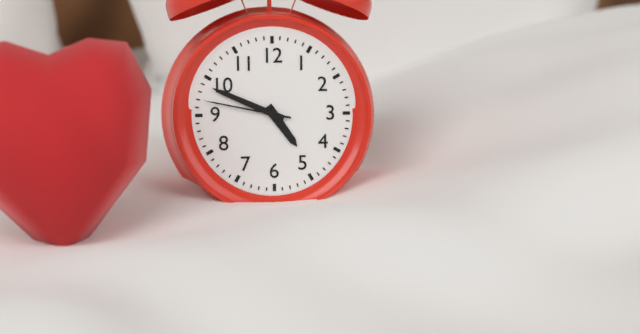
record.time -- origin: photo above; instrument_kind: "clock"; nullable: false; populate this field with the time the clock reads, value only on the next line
4:49:47
